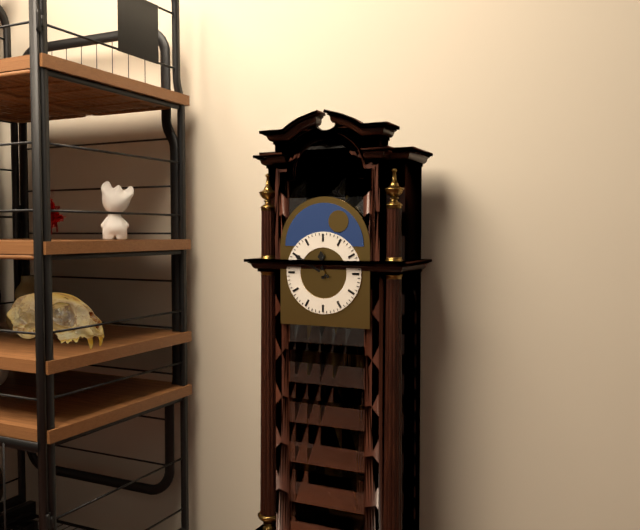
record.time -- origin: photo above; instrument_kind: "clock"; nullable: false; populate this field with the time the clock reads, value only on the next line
11:50
